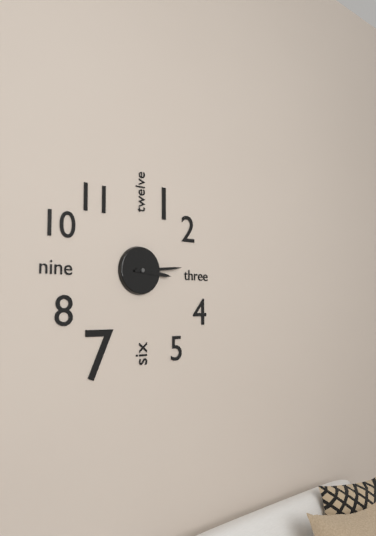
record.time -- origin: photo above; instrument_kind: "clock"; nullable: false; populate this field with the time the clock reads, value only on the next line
3:14
